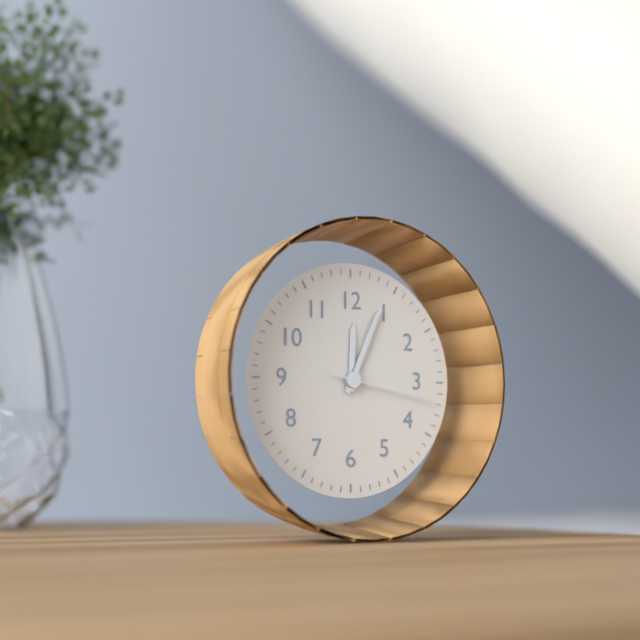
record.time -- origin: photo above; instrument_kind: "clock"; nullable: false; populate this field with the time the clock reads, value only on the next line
12:04:17
